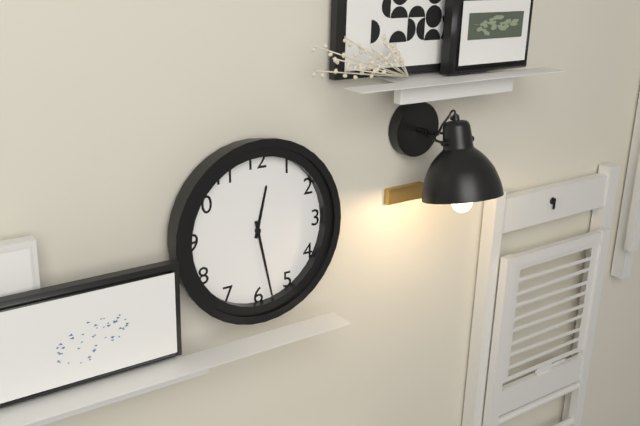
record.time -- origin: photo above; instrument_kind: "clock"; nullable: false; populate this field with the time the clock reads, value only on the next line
12:28
